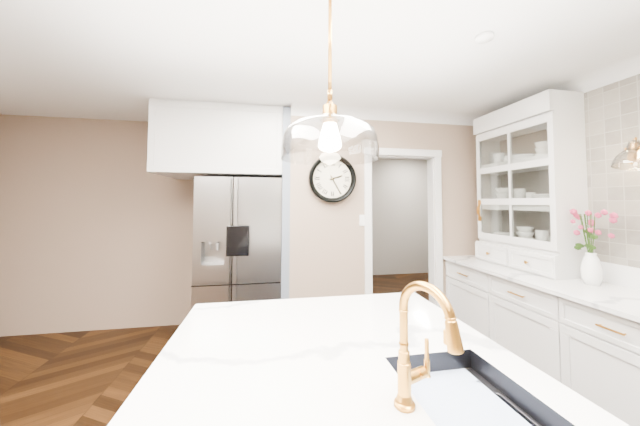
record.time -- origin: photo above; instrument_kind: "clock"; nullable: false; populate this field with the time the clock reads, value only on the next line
2:25
